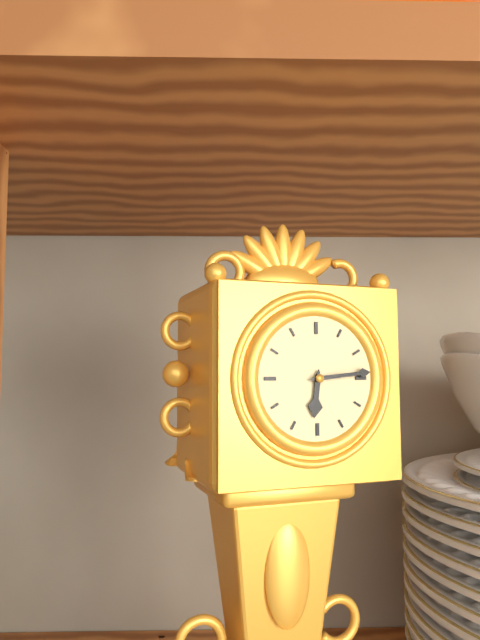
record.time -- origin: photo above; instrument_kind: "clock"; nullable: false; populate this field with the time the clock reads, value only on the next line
6:14
